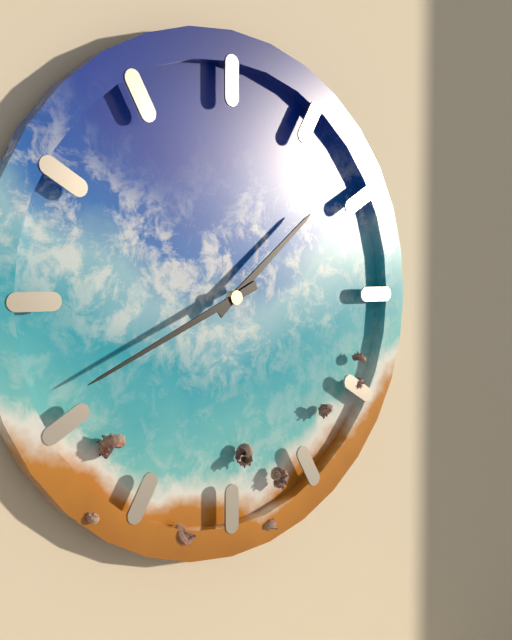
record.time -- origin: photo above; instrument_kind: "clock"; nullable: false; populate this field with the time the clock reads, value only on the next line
1:41
